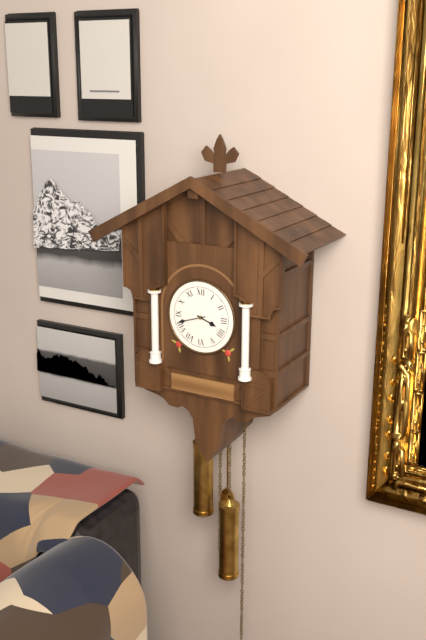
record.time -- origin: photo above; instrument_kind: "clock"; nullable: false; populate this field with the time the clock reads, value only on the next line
3:42
